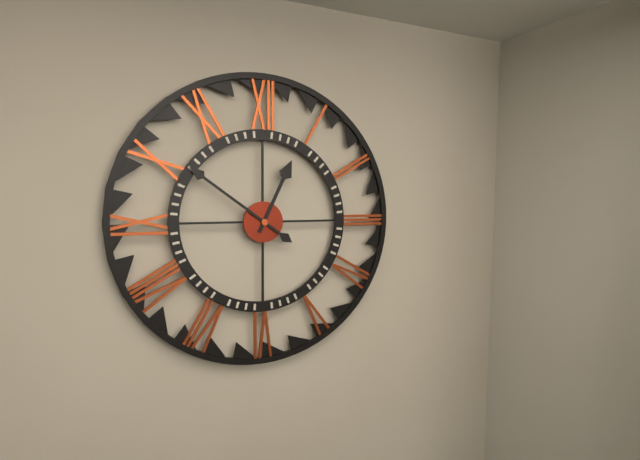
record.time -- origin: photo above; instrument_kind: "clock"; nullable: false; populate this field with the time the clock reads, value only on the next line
12:51
